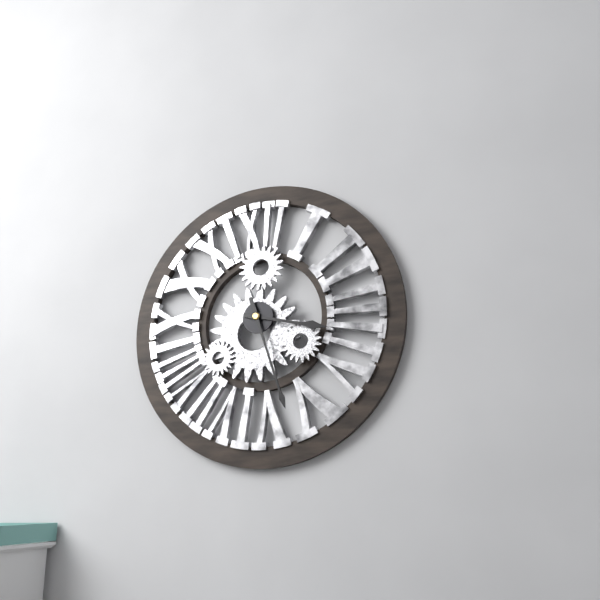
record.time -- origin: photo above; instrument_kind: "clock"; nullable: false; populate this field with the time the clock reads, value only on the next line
3:27
